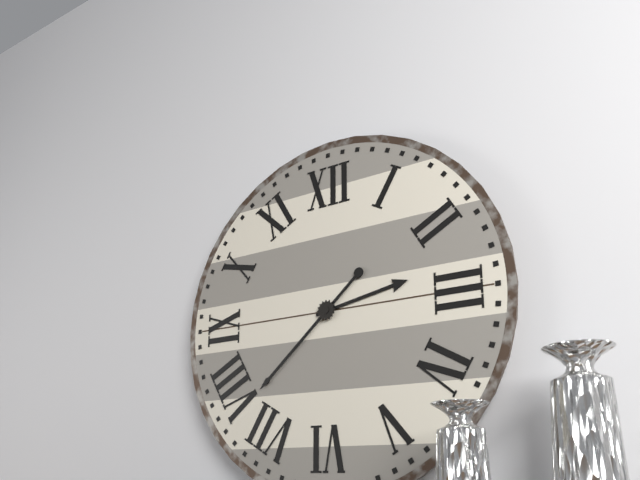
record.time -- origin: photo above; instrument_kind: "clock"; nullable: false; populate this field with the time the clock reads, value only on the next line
2:38
